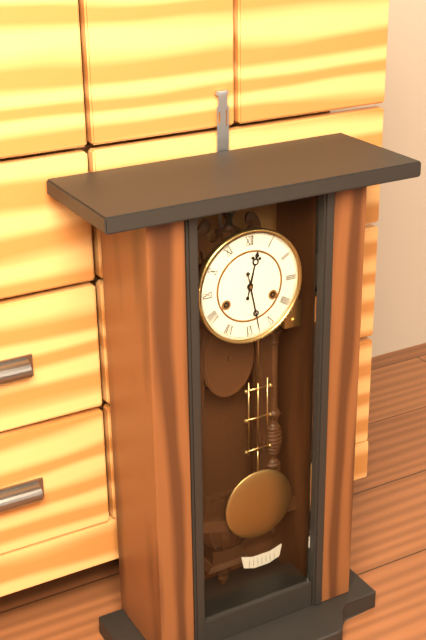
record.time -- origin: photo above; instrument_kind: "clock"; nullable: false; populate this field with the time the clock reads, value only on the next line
12:28
